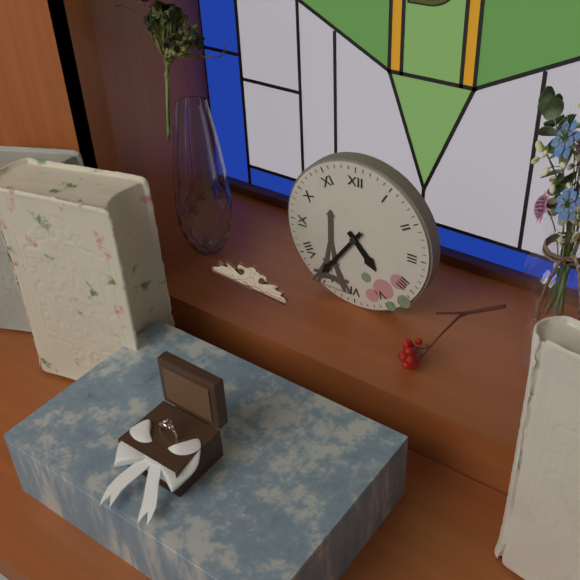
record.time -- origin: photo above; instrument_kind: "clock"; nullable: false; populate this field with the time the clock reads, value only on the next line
4:36
